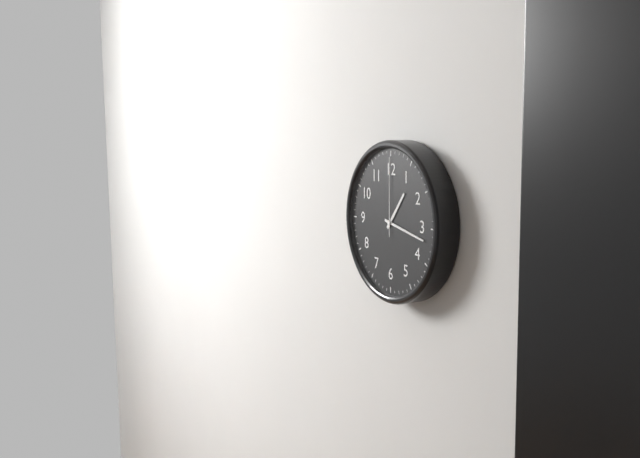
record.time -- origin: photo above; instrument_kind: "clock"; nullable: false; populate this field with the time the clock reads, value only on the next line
1:17:00
